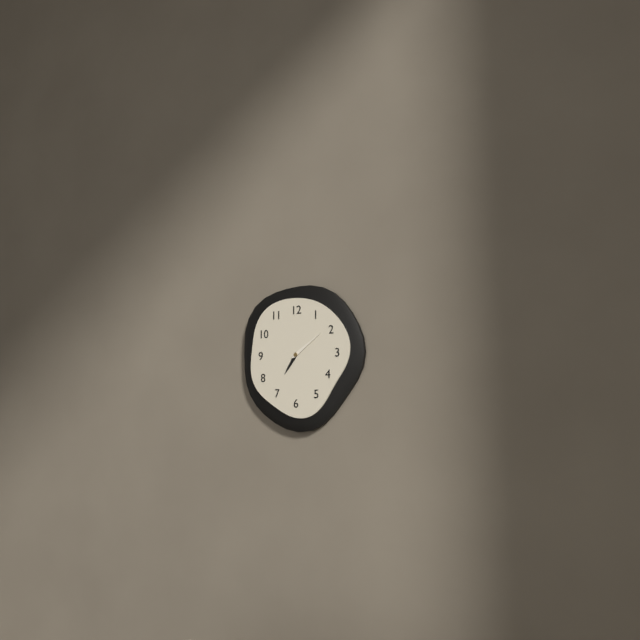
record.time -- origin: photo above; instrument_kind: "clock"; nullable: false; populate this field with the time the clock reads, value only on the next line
7:09
